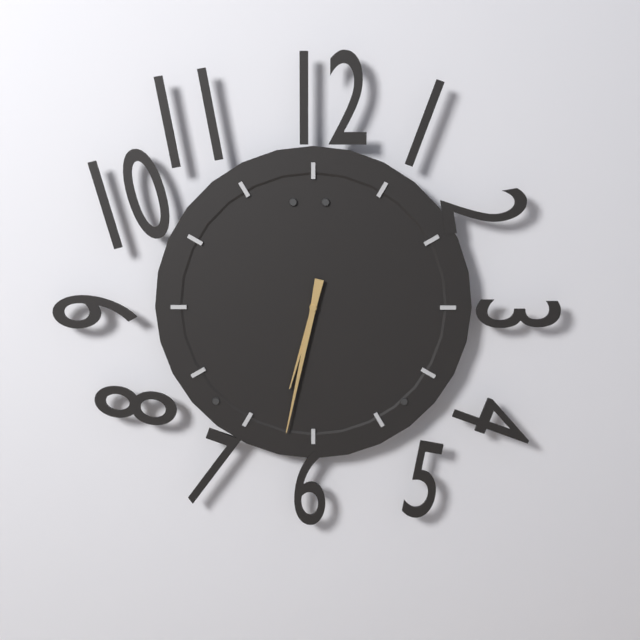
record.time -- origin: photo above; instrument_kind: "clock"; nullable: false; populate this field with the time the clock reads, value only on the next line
6:32
